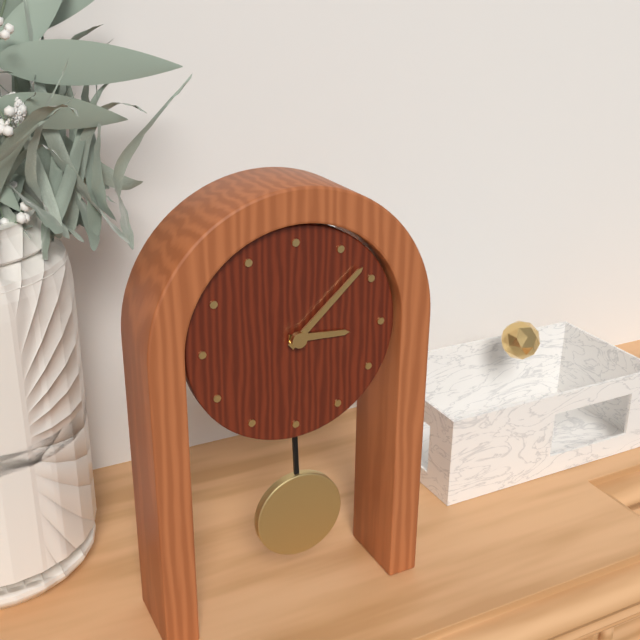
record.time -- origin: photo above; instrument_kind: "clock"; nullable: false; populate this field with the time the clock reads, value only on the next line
3:08
